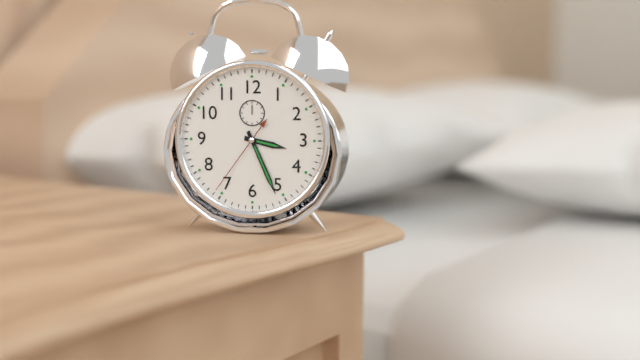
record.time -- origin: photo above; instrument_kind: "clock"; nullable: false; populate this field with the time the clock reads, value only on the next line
3:26:36
